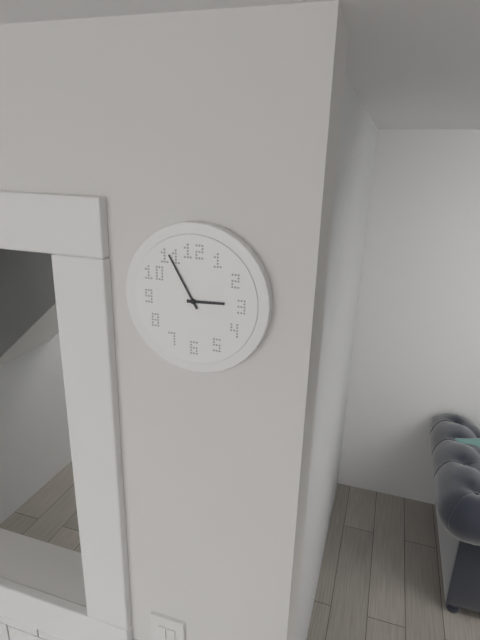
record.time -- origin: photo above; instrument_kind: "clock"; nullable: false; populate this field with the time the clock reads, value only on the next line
2:55
